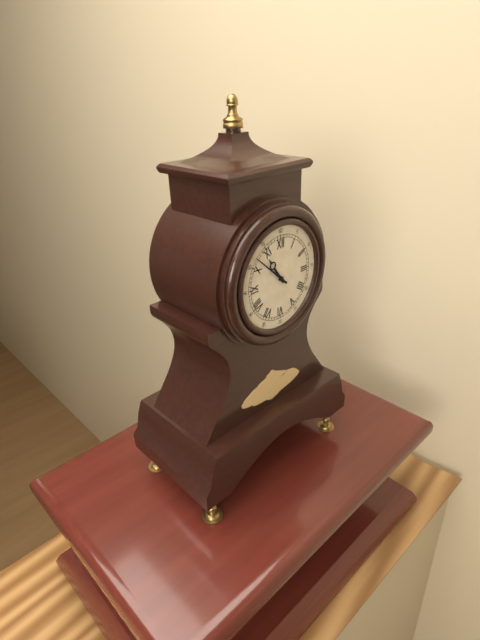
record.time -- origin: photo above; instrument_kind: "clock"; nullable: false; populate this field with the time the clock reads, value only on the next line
10:52
